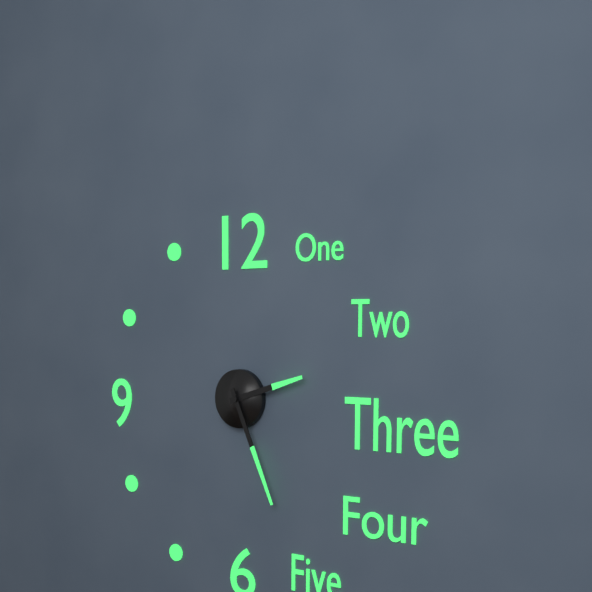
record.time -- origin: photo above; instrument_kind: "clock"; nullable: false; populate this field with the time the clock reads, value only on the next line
2:26
